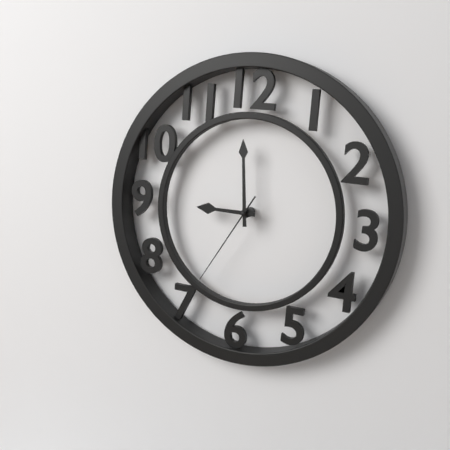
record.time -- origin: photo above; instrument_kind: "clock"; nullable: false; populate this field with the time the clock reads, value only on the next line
8:59:35
